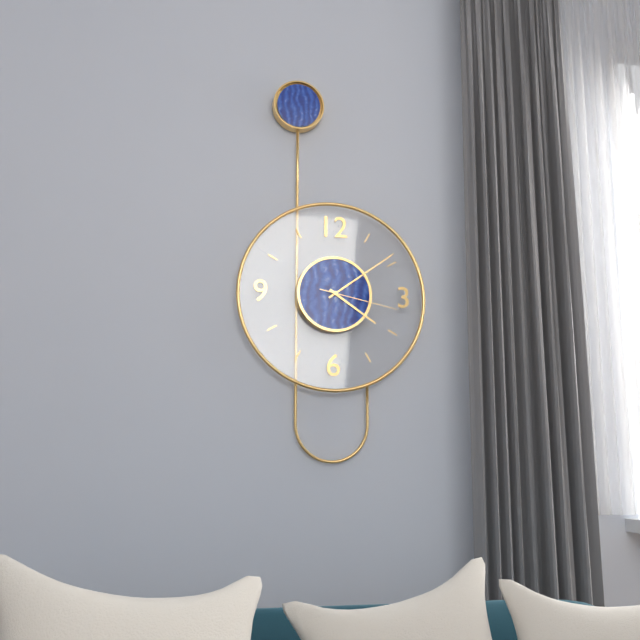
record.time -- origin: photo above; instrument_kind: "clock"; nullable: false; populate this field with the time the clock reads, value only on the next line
4:09:17
